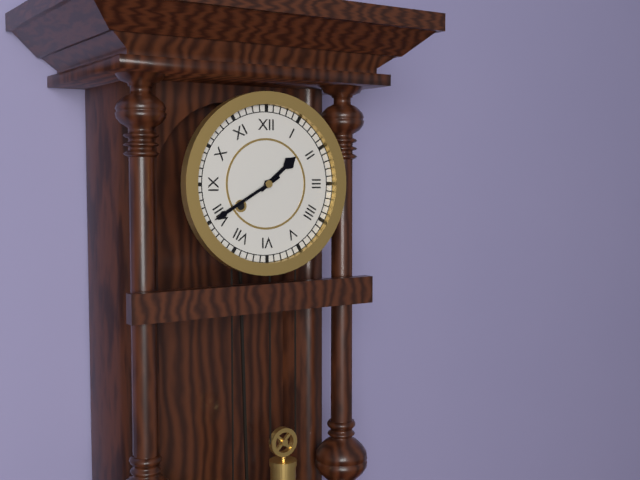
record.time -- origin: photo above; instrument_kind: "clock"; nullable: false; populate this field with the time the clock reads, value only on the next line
1:40
